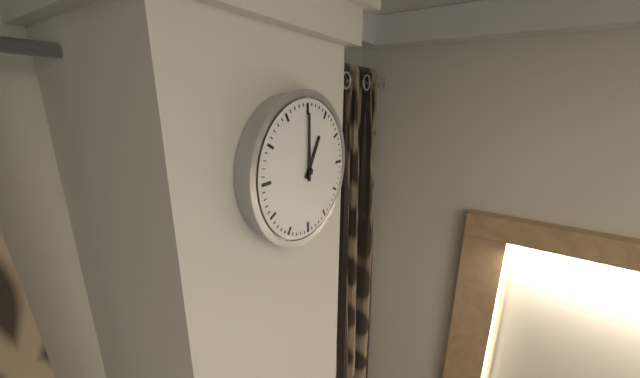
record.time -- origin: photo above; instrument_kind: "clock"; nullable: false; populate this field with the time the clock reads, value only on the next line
1:00
